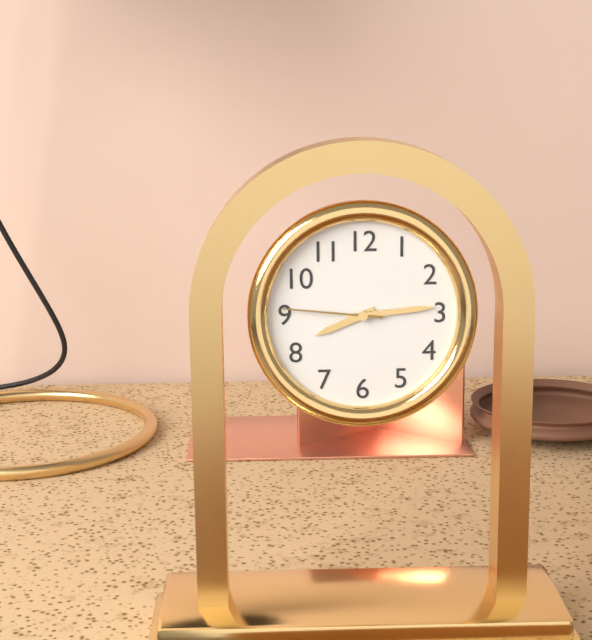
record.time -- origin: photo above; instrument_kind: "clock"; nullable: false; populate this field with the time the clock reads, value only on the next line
8:14:46
